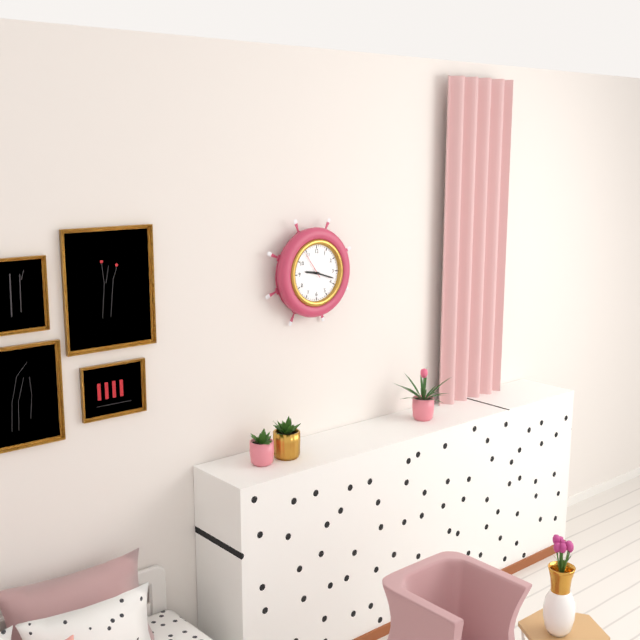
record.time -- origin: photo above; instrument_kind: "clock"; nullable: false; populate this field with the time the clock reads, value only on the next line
9:18
